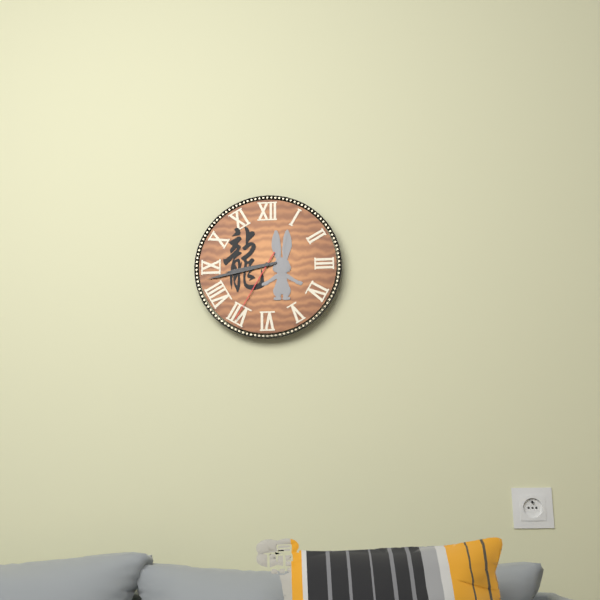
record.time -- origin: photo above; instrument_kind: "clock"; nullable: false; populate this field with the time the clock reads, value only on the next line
8:43:35
